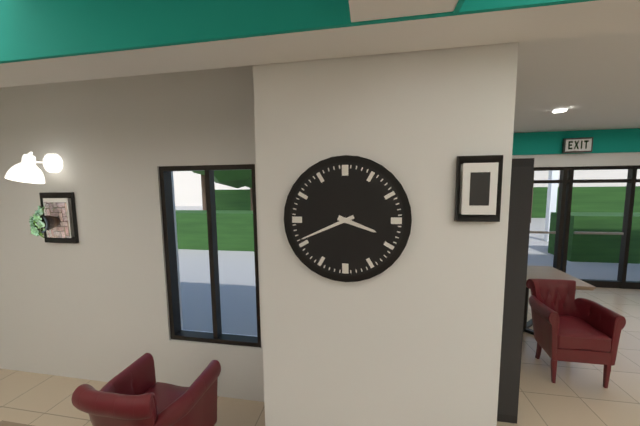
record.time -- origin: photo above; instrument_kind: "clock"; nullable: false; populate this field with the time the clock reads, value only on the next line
3:41
